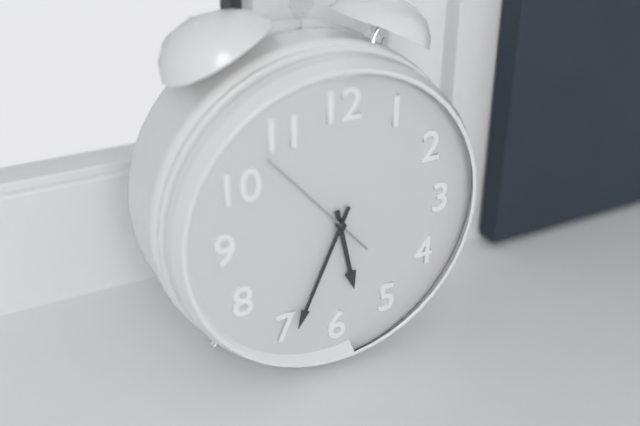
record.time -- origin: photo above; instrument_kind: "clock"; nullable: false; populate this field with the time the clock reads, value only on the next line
5:34:53
